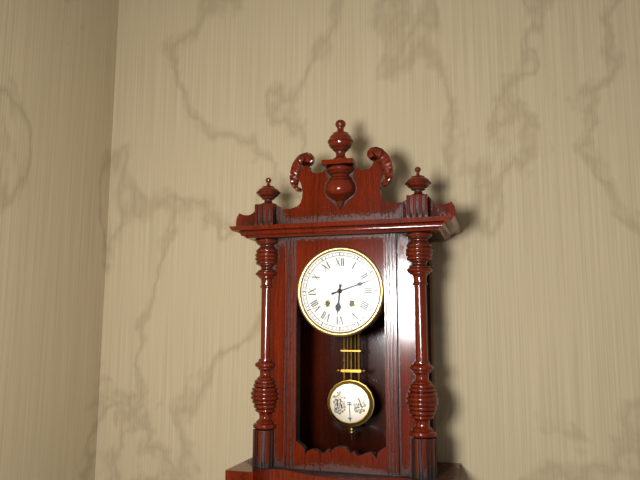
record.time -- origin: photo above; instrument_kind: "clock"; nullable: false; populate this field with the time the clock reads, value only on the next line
6:12
